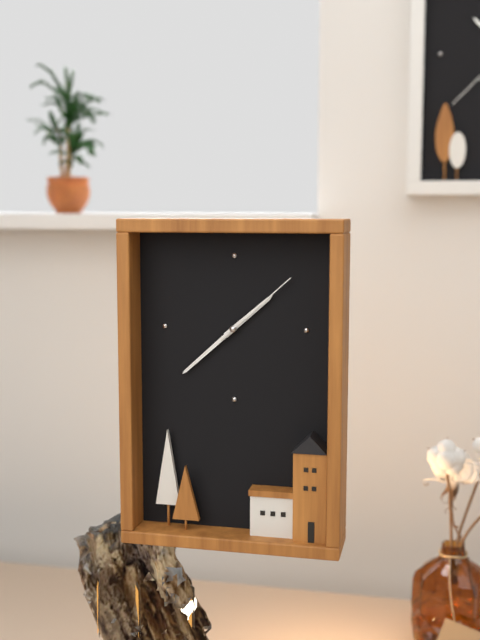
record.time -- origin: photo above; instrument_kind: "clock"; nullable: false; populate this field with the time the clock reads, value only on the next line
1:38:08
